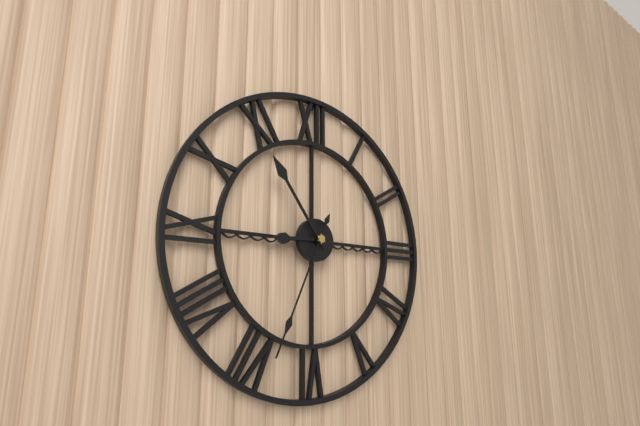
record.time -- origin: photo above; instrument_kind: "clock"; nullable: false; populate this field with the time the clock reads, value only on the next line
8:54:34
